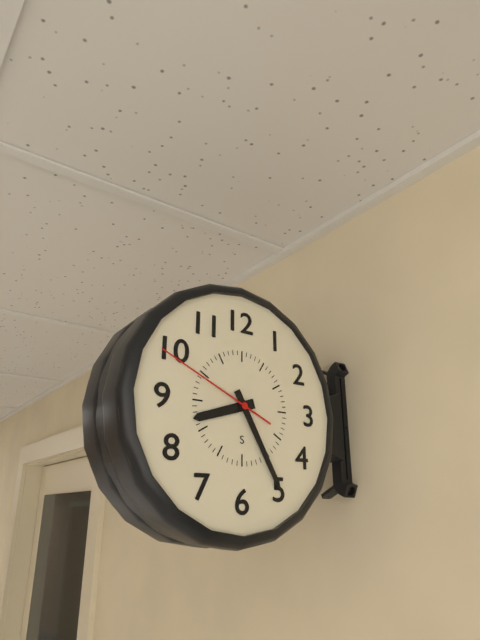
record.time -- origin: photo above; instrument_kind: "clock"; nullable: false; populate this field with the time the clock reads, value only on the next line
8:25:49
